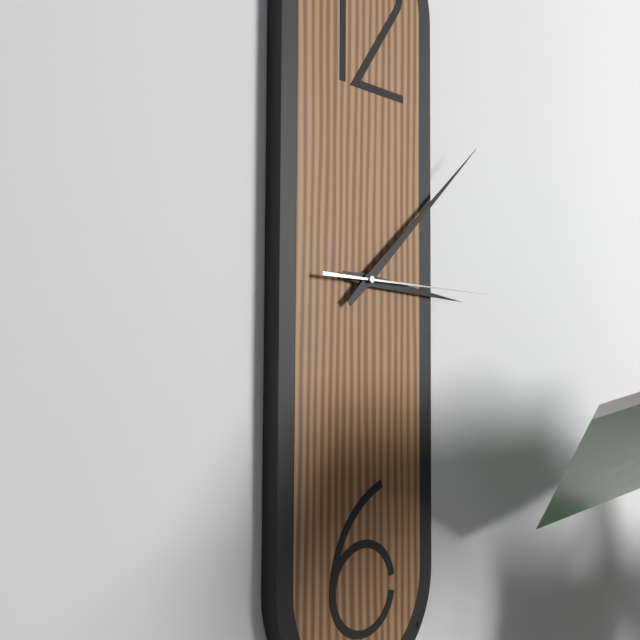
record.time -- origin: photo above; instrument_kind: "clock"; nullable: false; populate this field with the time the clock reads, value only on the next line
3:08:15
